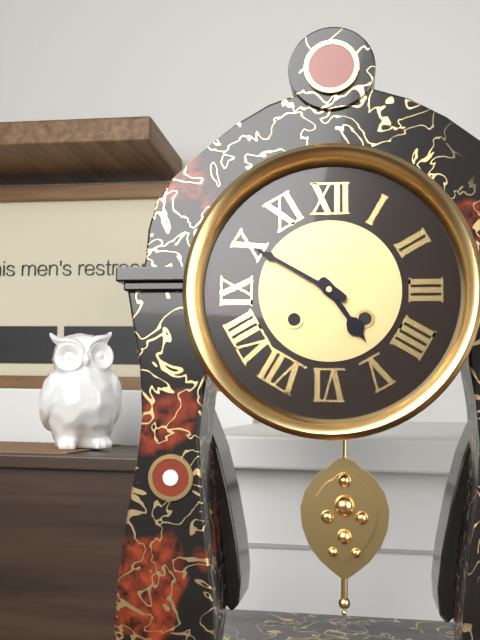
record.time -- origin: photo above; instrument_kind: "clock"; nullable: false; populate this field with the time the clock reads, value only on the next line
4:50
